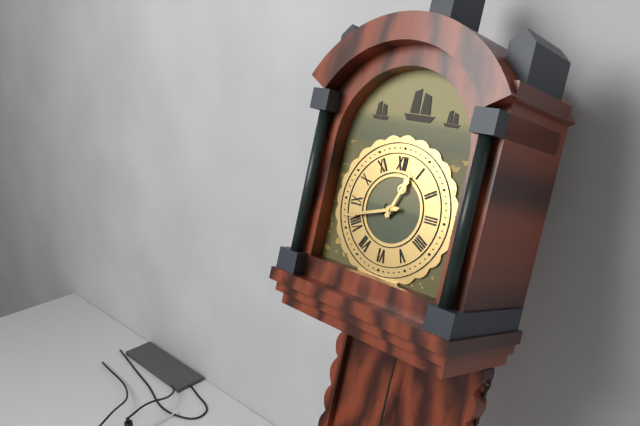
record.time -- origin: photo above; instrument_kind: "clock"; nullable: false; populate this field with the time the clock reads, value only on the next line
12:42
